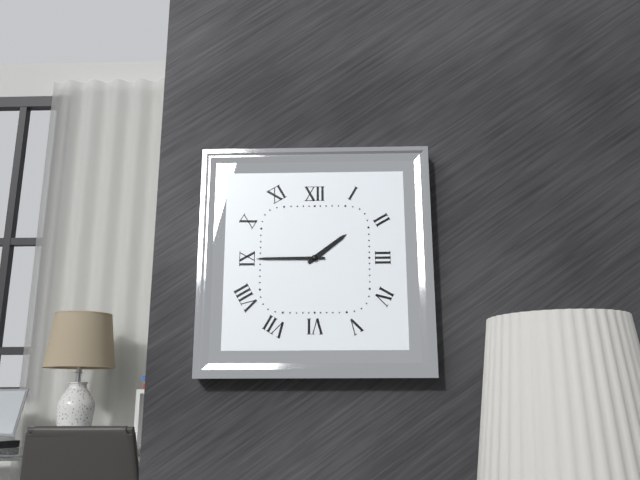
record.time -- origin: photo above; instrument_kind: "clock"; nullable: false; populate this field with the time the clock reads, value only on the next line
1:45
